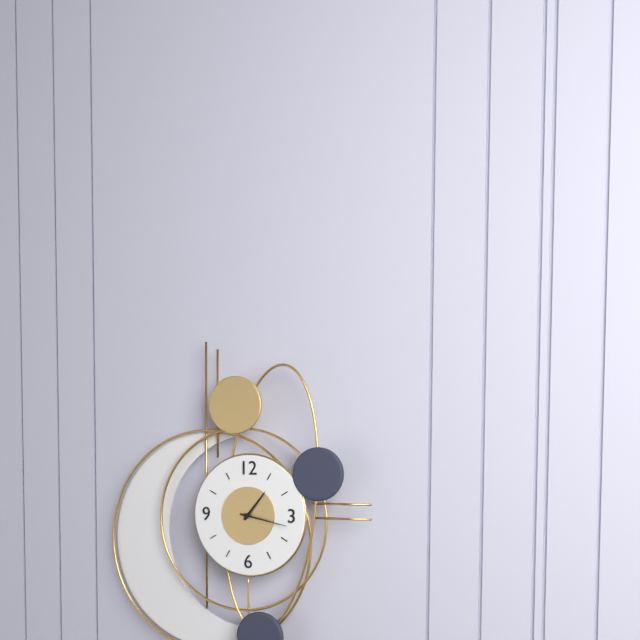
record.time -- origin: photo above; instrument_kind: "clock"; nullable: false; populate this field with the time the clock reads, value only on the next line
1:17
